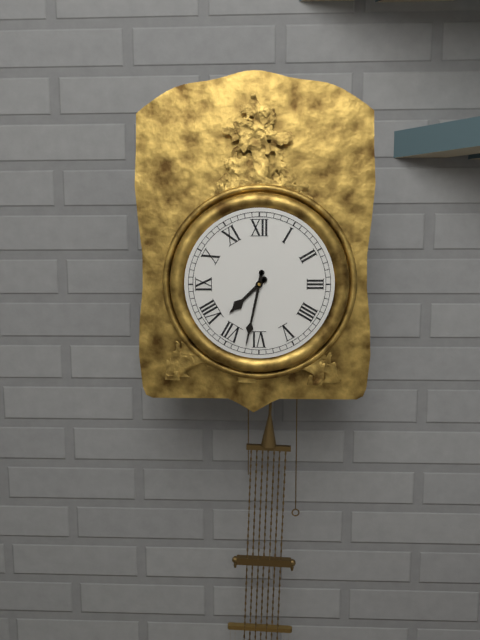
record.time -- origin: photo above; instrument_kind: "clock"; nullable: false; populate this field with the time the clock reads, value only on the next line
7:32
